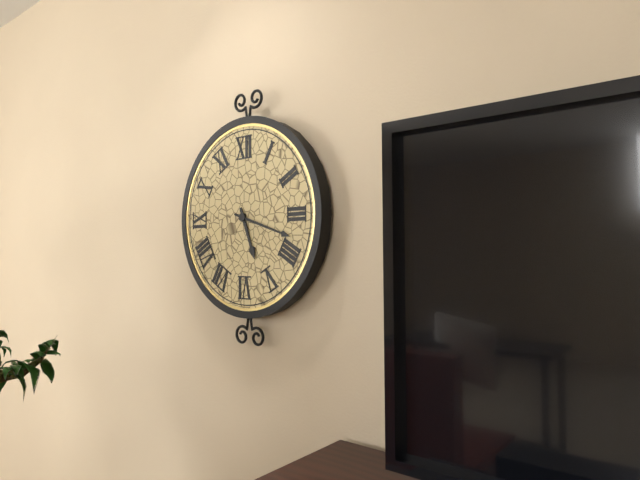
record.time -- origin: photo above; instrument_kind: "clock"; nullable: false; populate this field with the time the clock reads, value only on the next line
5:18
